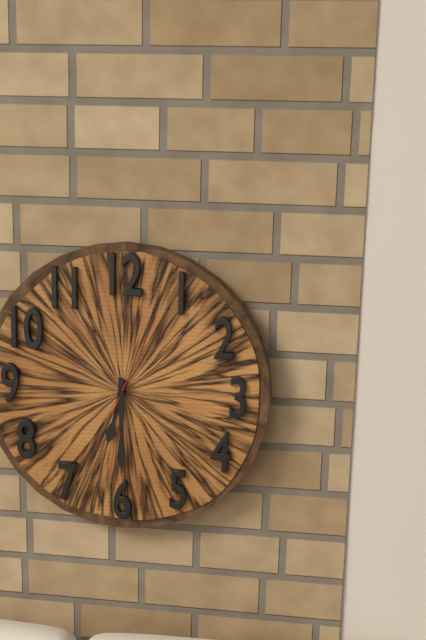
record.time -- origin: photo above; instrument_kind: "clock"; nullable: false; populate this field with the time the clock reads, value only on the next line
6:30:04
